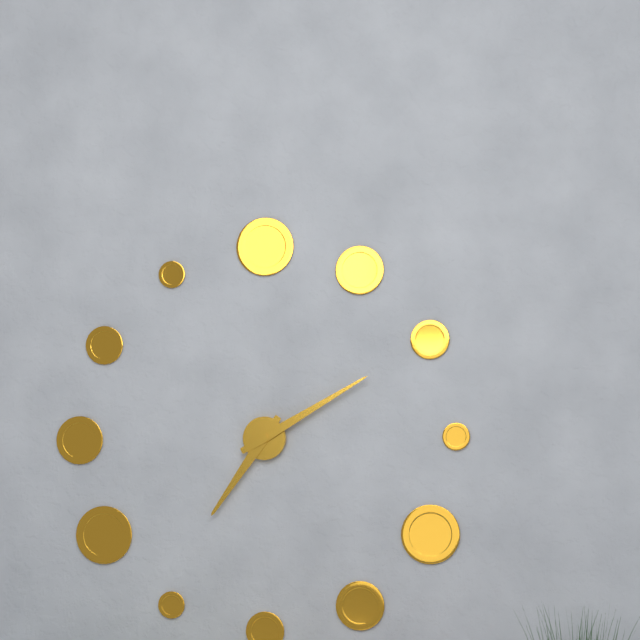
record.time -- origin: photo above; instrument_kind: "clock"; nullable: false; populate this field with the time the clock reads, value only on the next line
7:10
